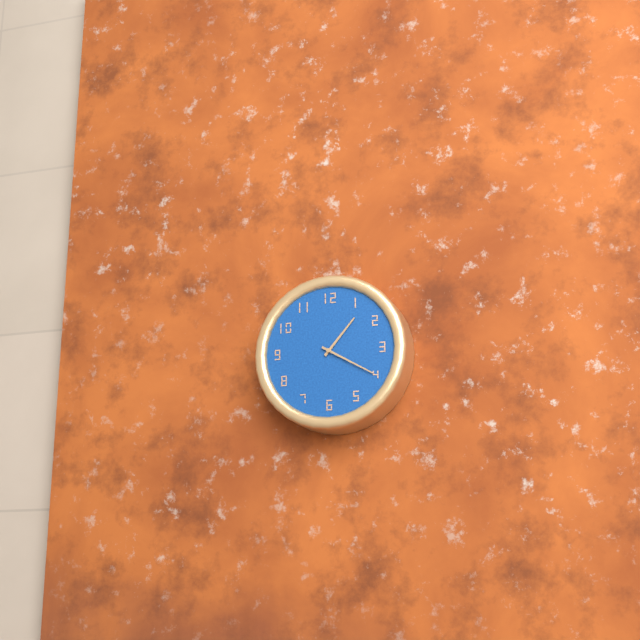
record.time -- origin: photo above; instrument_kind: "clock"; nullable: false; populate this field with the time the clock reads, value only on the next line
1:20
